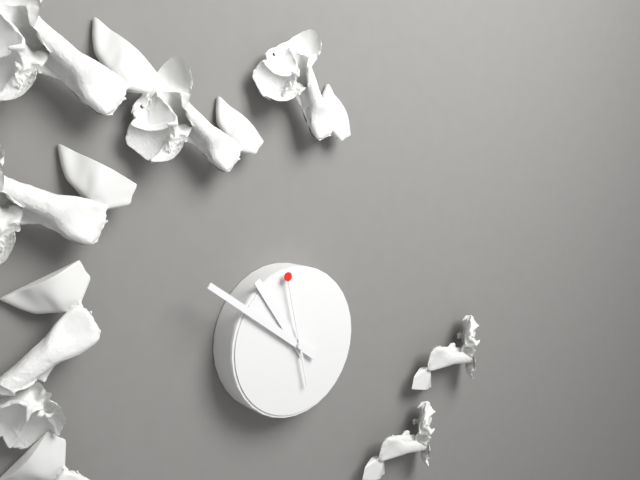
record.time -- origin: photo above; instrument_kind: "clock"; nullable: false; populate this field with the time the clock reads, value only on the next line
10:51:58
